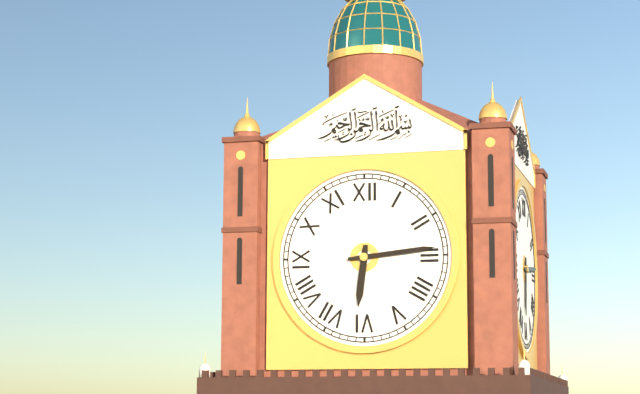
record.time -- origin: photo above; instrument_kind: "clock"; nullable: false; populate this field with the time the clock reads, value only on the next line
6:14
